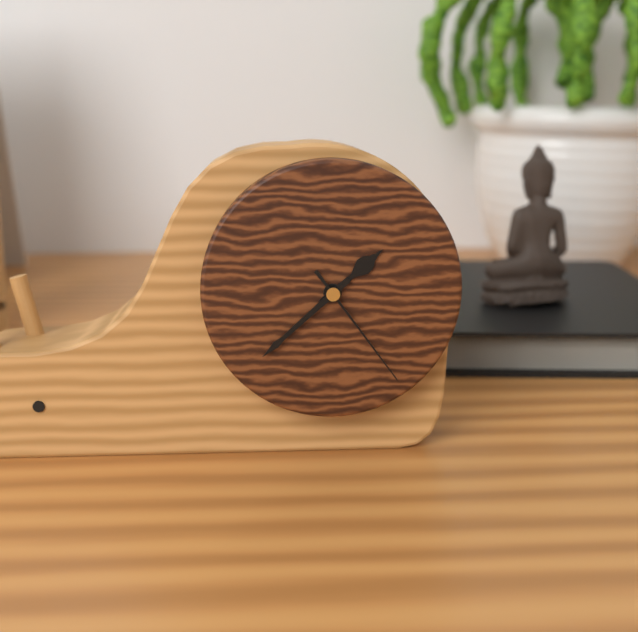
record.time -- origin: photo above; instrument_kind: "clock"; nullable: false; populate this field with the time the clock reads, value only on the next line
1:38:24
